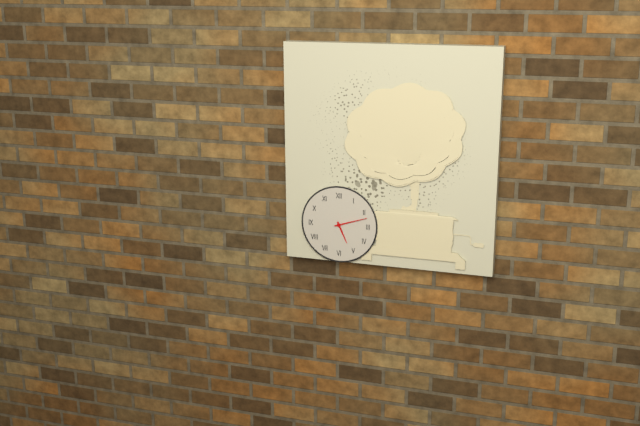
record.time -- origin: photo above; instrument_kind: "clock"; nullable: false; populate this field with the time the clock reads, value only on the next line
5:12
